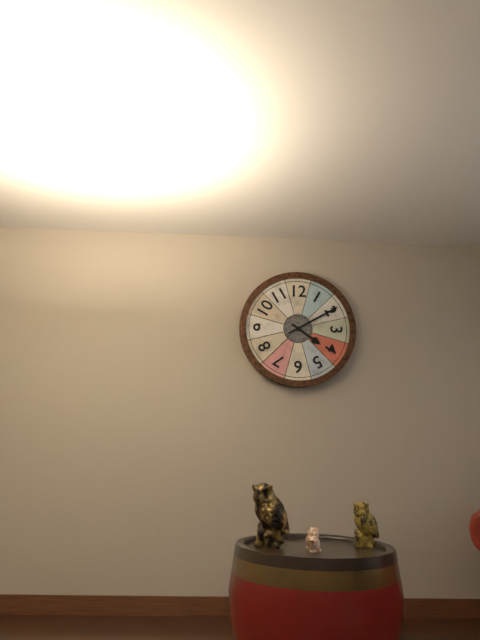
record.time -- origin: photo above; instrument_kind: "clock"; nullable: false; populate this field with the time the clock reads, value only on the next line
4:10
